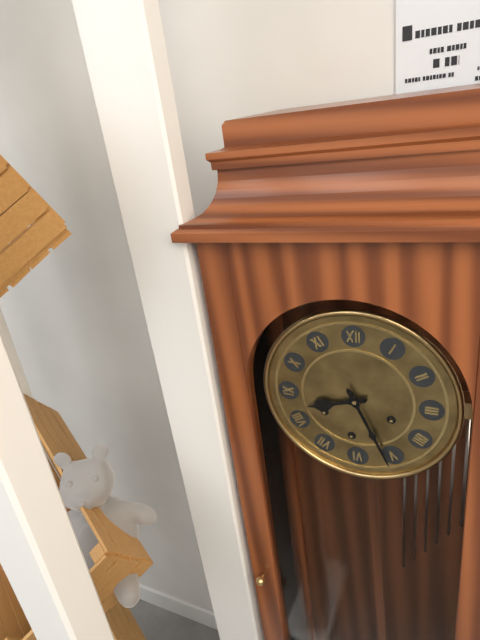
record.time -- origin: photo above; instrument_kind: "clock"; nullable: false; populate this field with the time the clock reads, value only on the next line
8:26
